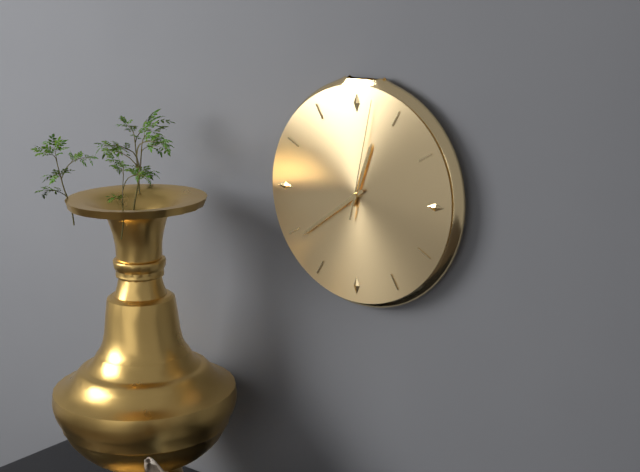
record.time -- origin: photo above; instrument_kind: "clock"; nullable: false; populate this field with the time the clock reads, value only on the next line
12:39:02
